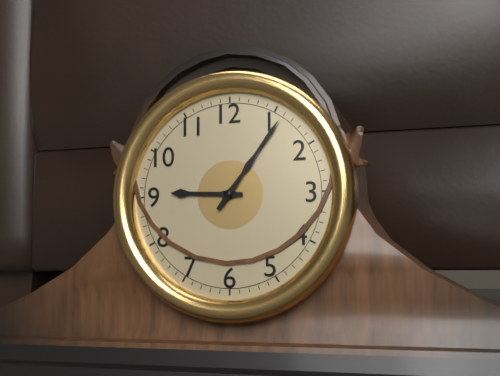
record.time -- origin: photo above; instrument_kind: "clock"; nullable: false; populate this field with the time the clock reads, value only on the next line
9:06
